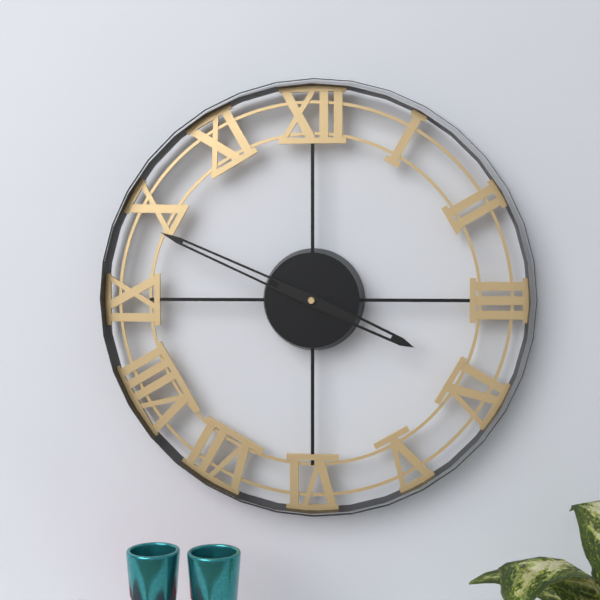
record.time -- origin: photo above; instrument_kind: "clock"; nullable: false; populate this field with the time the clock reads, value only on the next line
3:49
